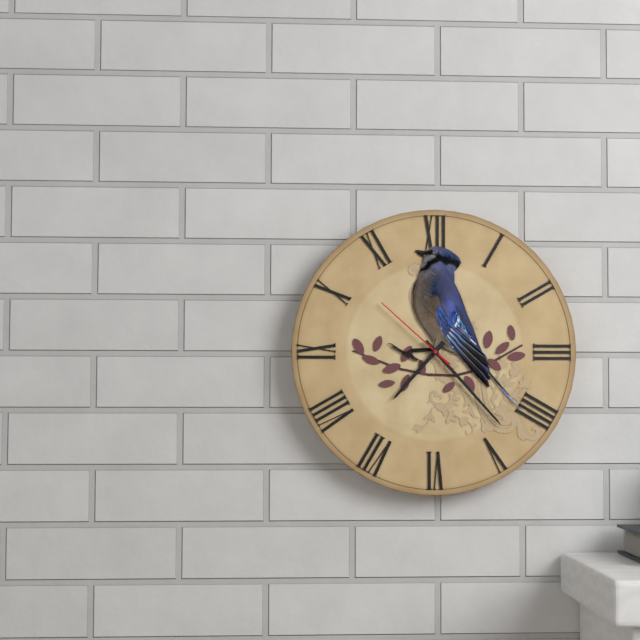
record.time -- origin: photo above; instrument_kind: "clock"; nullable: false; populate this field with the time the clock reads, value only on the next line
7:23:52
